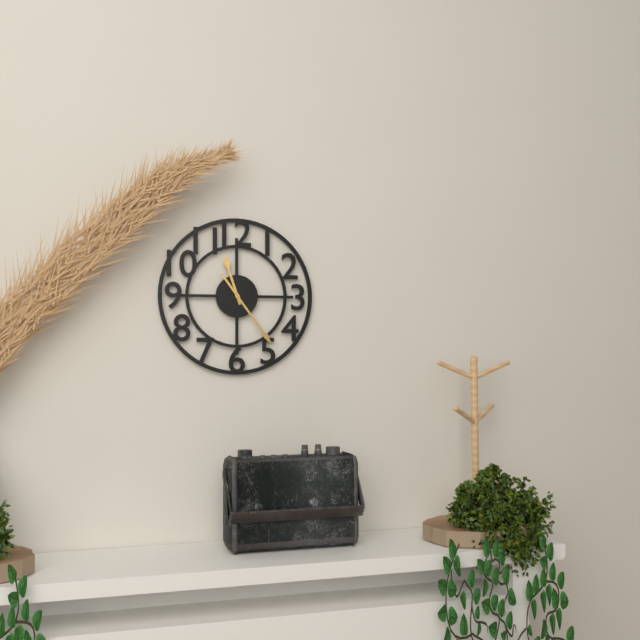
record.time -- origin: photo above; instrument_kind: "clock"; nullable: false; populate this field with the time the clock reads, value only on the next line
11:24
